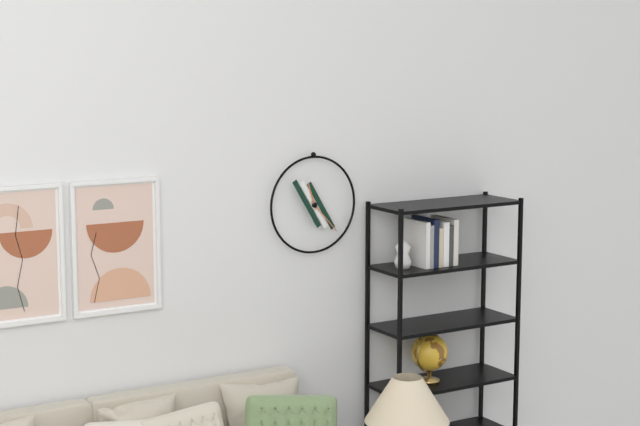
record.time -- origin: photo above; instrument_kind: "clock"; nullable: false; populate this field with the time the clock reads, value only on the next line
11:23
